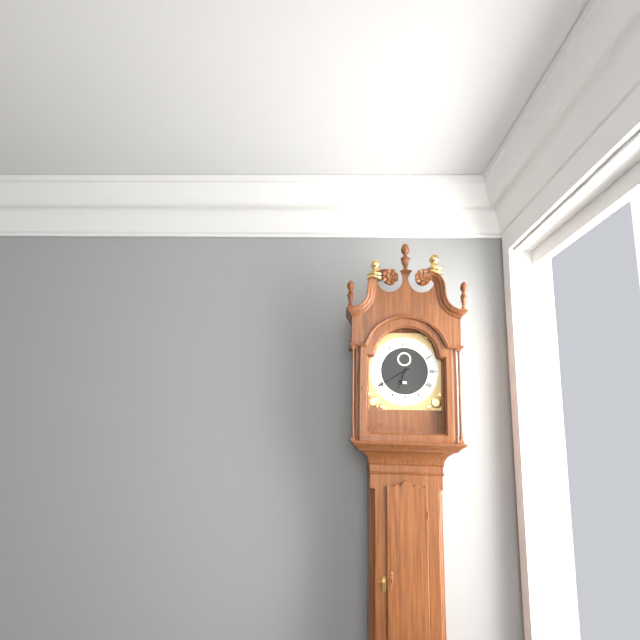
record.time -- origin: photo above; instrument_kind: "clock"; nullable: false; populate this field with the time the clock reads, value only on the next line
6:40
